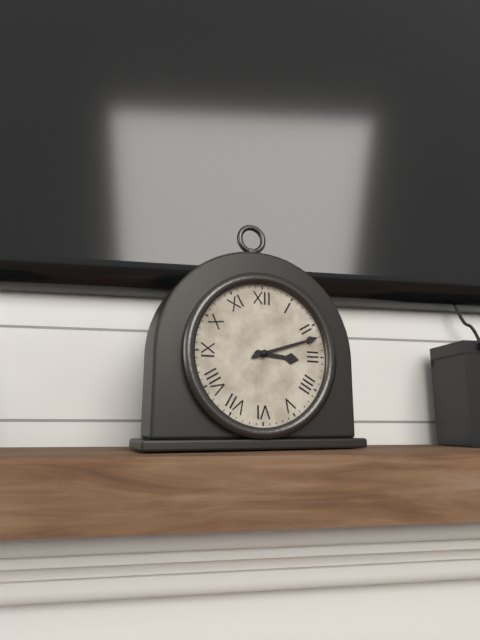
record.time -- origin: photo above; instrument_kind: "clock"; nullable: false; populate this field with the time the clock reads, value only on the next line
3:12
